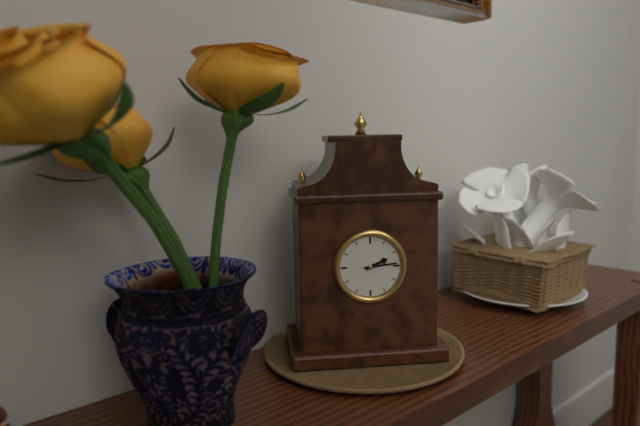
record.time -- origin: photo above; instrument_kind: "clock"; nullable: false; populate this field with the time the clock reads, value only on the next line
2:14
